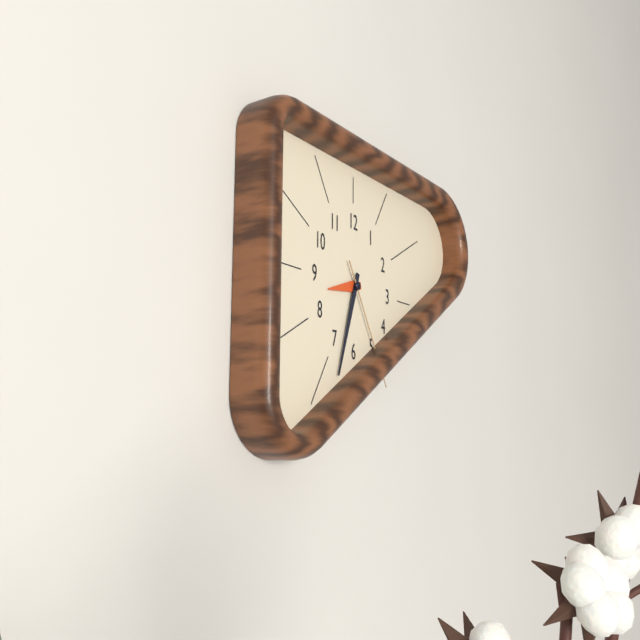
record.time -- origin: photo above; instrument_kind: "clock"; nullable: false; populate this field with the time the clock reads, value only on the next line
8:33:25
